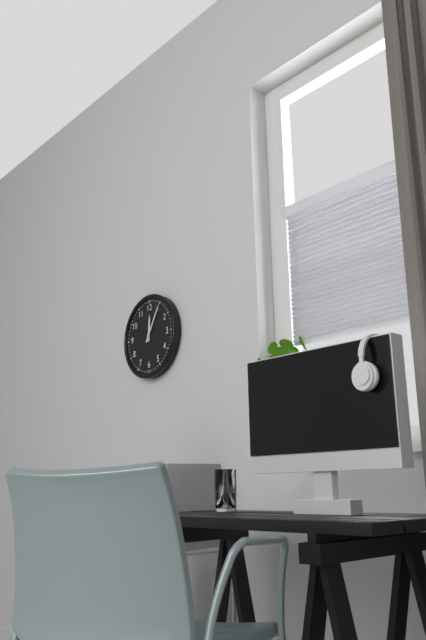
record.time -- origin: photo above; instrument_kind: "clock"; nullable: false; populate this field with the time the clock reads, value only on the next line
12:05
